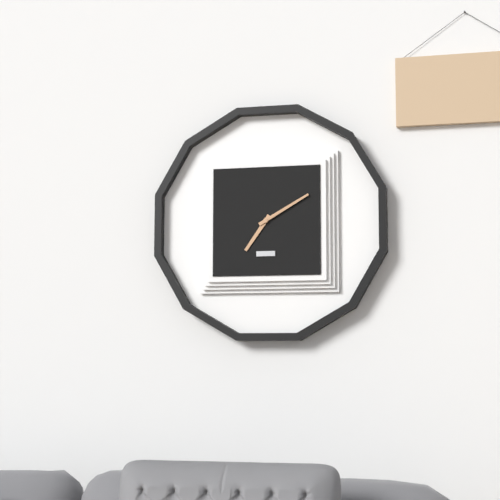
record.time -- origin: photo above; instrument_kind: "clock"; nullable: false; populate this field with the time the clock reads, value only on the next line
7:10
